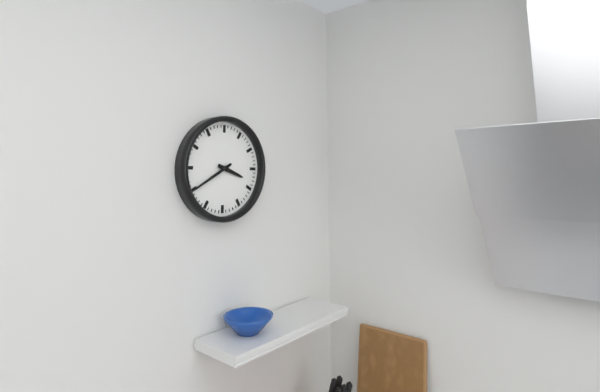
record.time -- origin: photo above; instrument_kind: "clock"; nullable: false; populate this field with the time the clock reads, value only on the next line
3:40
